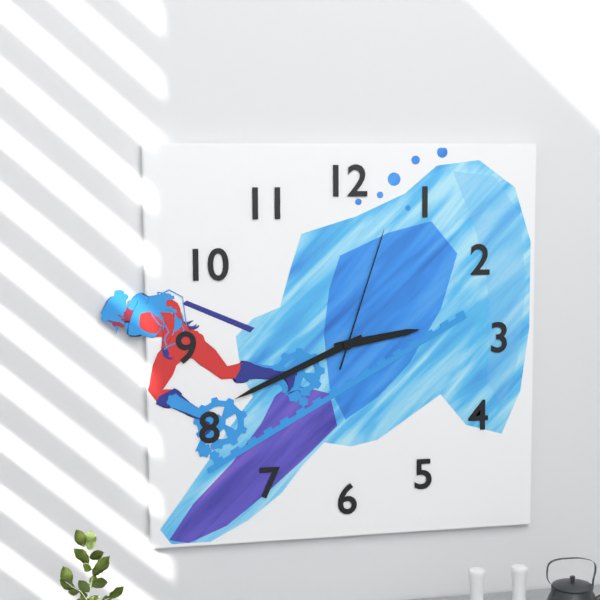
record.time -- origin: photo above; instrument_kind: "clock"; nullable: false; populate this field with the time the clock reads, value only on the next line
2:41:03
